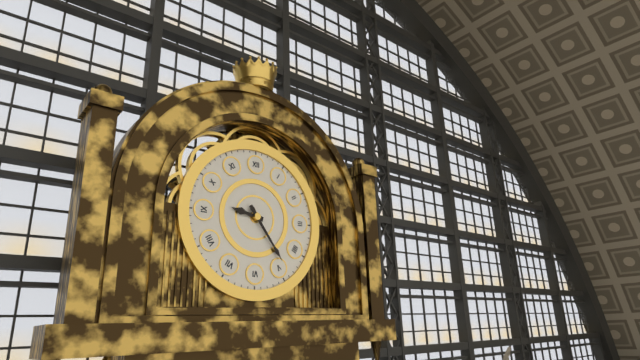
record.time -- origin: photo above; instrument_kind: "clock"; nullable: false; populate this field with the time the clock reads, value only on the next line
9:24
